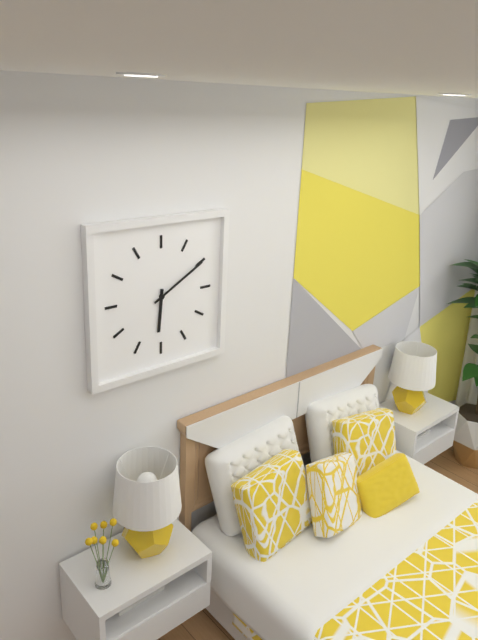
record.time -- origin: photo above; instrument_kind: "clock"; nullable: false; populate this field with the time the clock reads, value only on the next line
6:10
